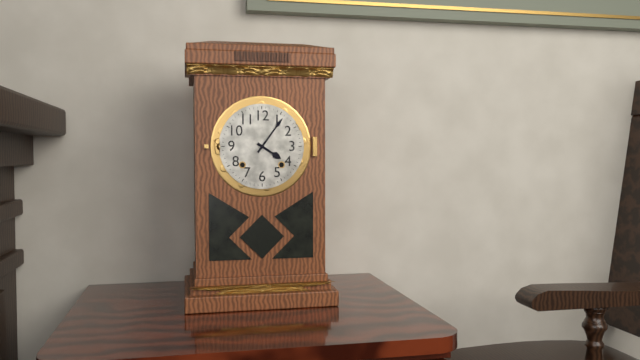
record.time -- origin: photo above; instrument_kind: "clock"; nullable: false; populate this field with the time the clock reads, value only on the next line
4:06
